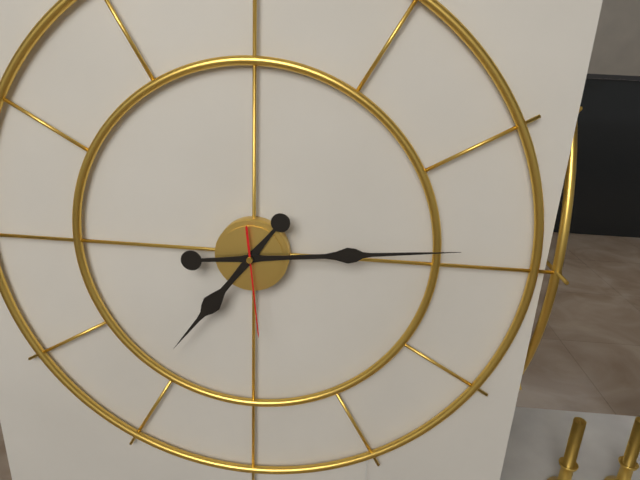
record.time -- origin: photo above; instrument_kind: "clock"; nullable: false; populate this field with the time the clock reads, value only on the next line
7:14:29
